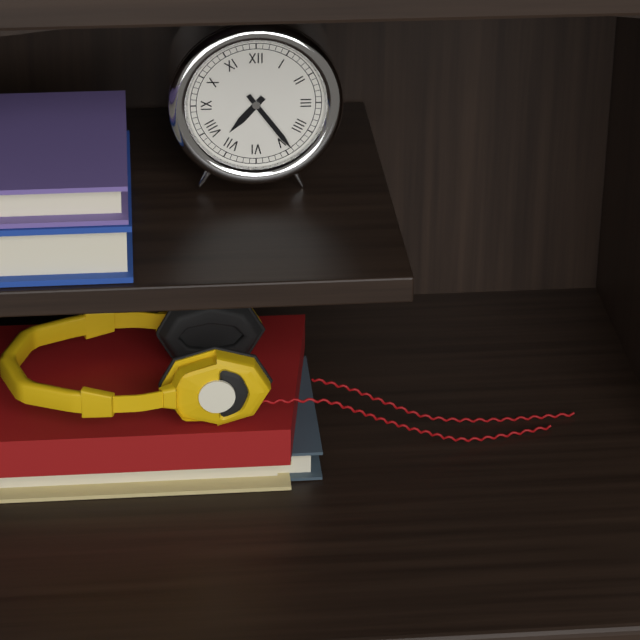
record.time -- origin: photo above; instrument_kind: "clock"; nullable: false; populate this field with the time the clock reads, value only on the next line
7:24
